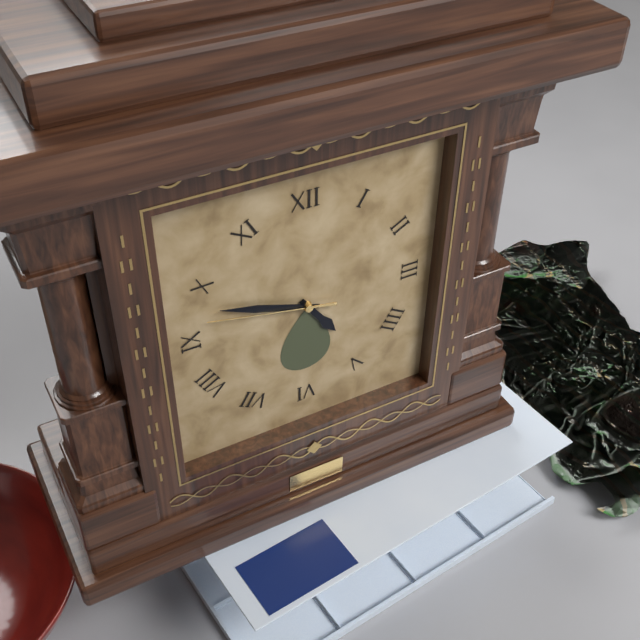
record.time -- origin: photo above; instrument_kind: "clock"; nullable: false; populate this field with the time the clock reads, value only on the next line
4:48:47
